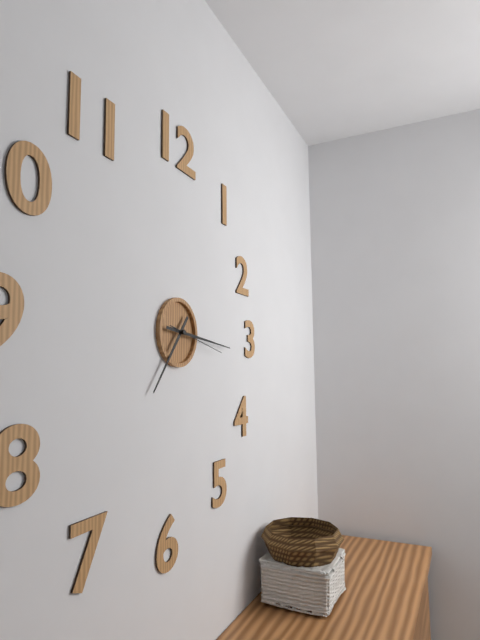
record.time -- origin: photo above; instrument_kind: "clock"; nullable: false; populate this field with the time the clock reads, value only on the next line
7:16:17
